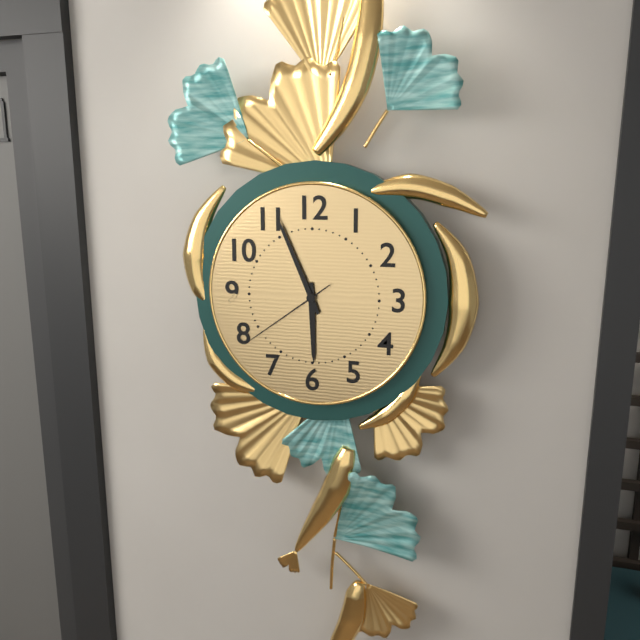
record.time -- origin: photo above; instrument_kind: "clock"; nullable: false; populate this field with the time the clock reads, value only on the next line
5:56:39
